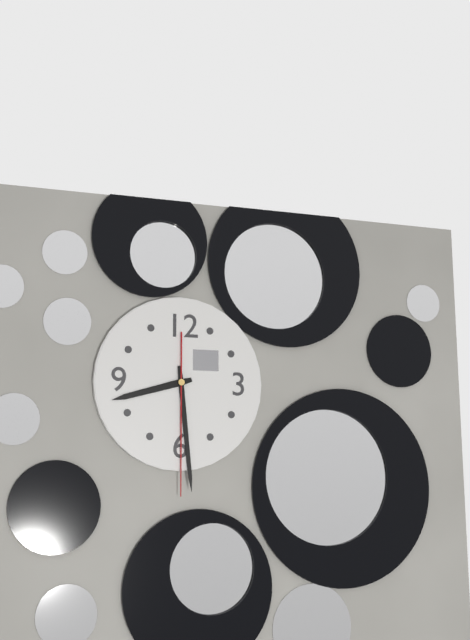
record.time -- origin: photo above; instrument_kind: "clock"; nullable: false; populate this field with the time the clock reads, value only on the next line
8:29:30
